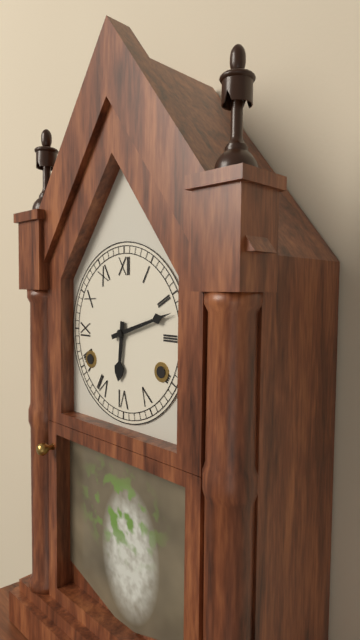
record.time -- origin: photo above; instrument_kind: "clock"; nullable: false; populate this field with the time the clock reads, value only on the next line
6:12
